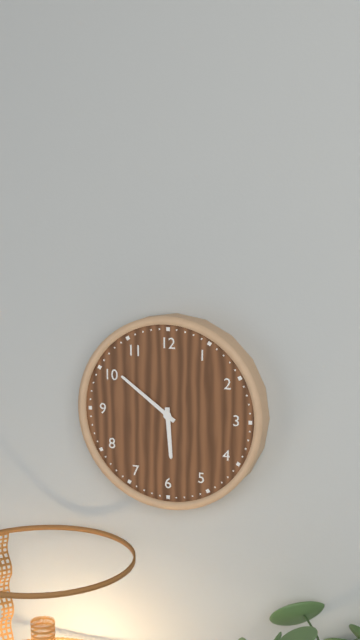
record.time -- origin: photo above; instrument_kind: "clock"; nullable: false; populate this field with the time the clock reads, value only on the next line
5:51
